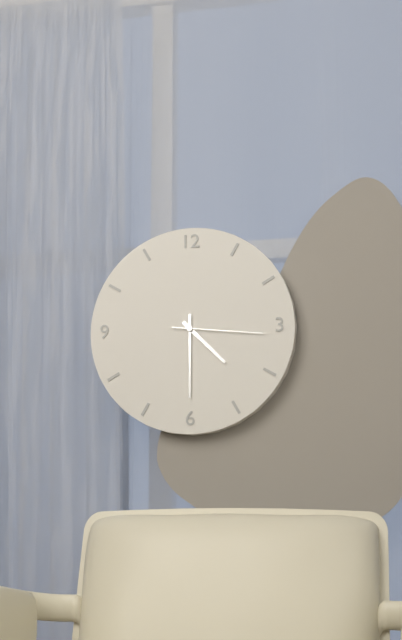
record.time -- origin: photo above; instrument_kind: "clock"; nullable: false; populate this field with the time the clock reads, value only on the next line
4:30:16
